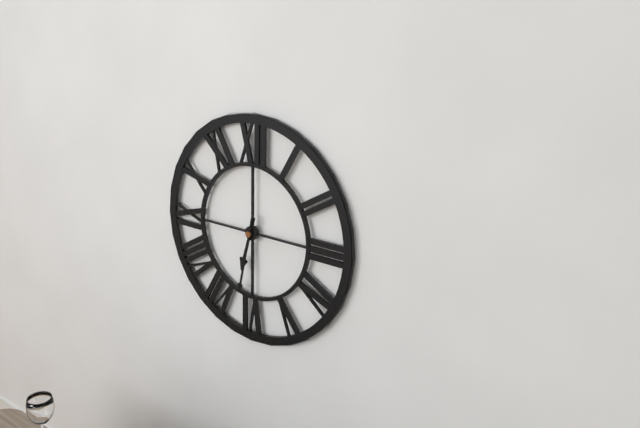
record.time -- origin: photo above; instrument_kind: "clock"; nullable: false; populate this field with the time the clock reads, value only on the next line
6:32
